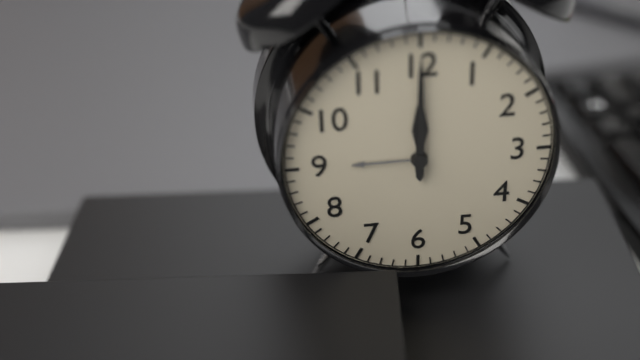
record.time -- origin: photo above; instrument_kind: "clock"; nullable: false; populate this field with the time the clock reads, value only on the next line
12:00
